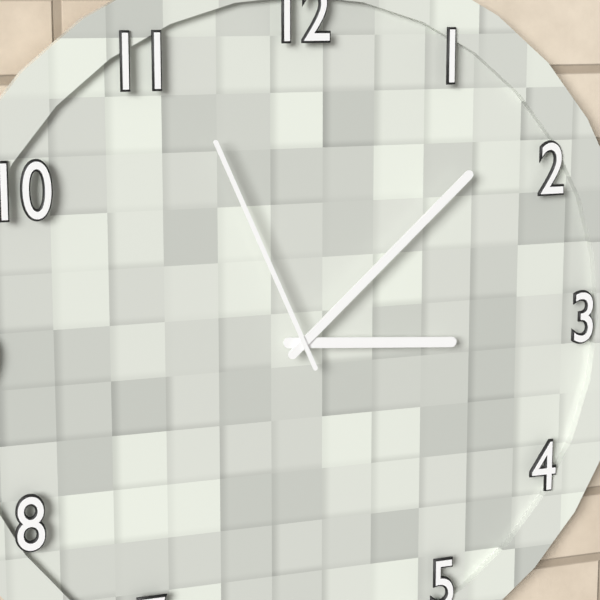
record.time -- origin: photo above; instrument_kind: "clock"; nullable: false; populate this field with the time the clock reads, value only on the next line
3:08:56
